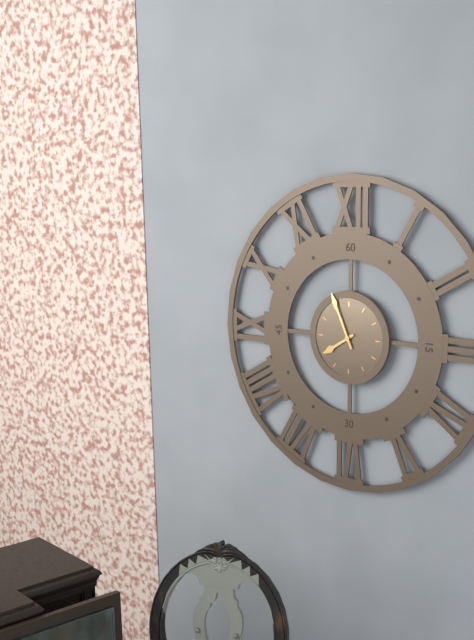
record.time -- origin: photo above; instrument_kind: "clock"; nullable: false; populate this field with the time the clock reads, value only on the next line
7:56
